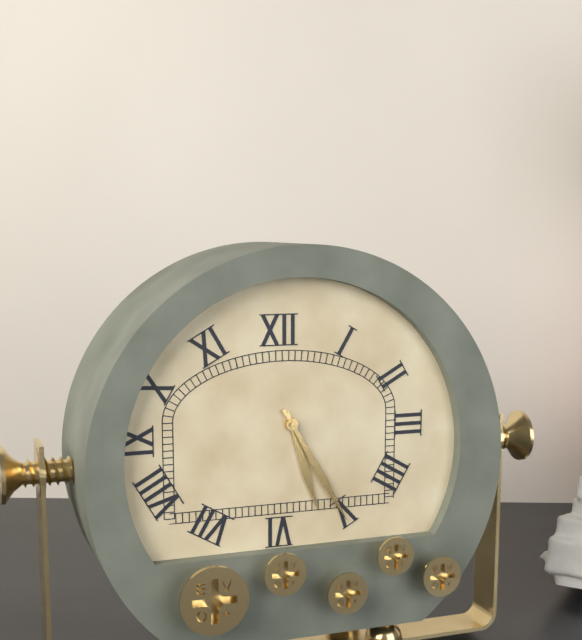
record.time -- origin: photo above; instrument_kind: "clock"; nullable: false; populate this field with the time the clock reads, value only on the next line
5:25
